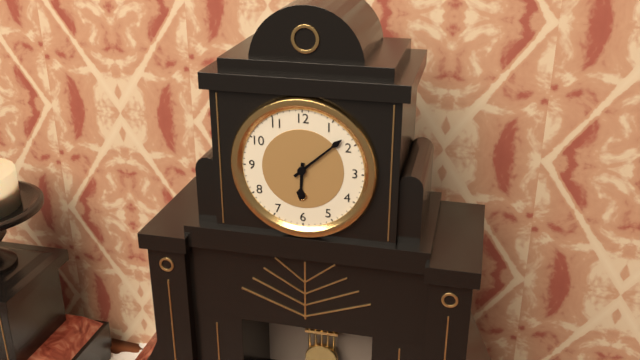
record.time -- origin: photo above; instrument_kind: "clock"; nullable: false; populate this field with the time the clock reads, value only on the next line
6:08
